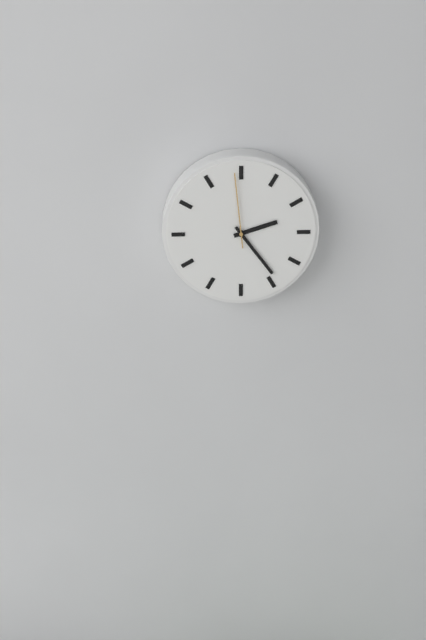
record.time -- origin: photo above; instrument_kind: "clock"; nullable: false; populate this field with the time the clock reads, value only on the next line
2:24:59
